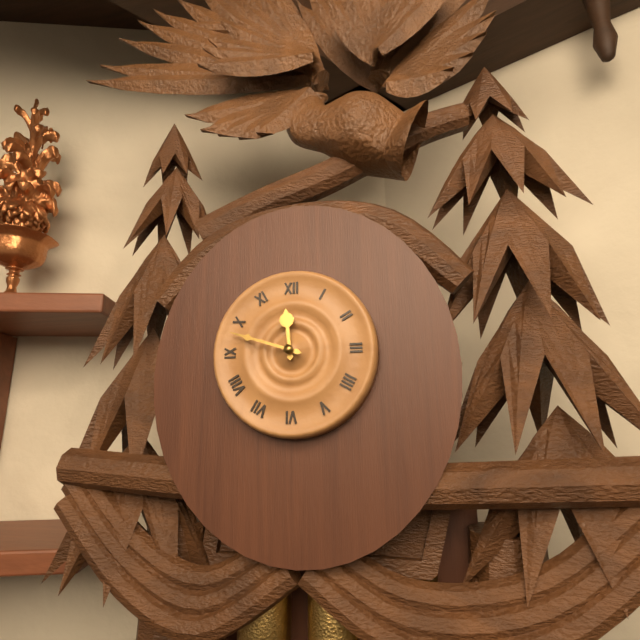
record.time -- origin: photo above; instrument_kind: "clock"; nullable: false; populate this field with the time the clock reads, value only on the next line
11:48
